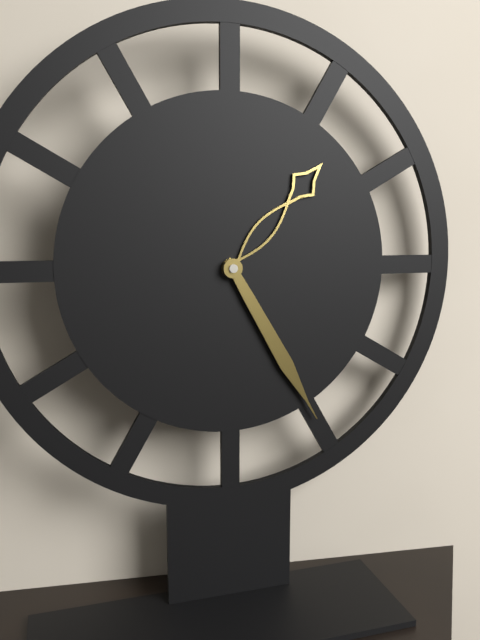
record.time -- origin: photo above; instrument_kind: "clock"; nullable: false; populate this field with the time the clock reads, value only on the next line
1:25
